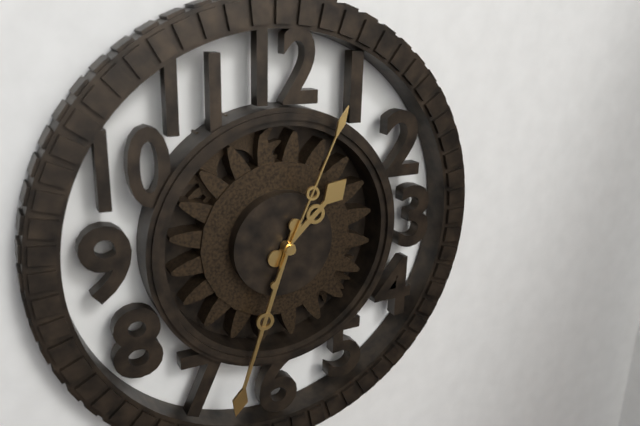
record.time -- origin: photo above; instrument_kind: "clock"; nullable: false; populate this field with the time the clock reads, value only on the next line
1:33:04
